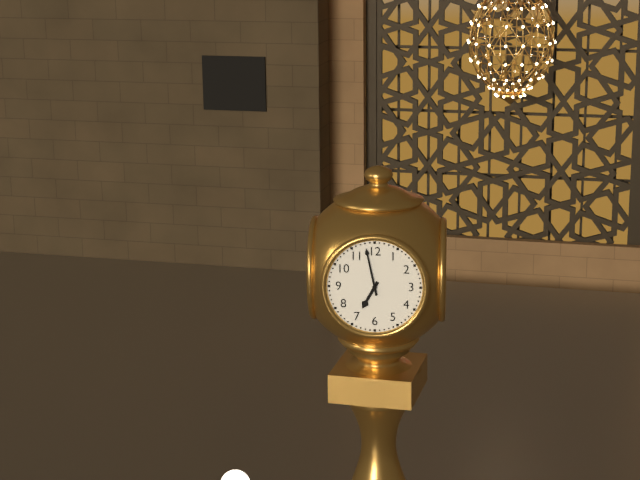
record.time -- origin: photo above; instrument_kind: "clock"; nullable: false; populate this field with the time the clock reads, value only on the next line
6:58
